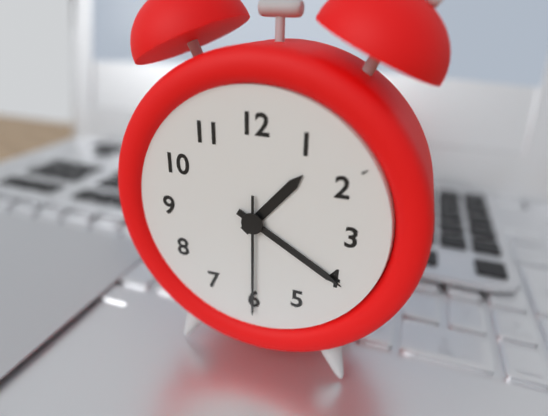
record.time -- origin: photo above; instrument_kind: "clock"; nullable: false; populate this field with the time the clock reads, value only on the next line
1:20:30
